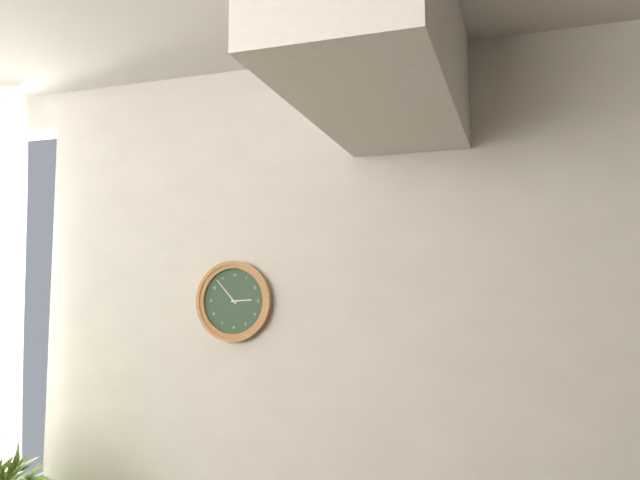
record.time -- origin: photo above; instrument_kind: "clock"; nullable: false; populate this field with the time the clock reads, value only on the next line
2:53
